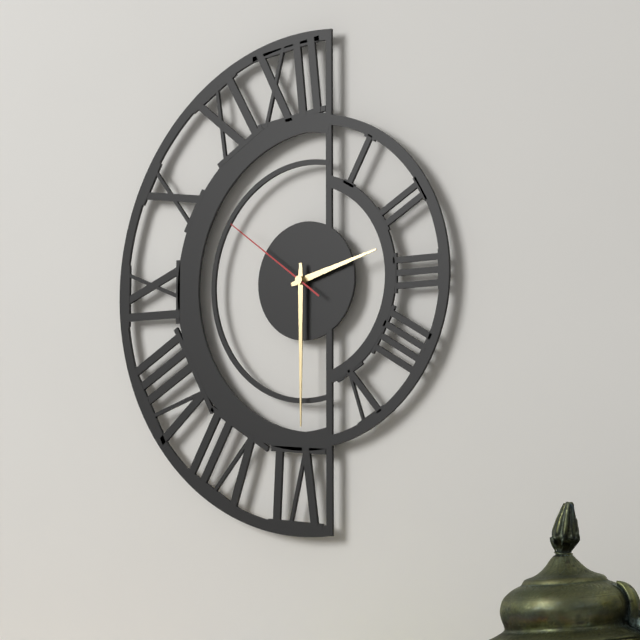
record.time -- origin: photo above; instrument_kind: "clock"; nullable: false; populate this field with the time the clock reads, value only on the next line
2:30:51
